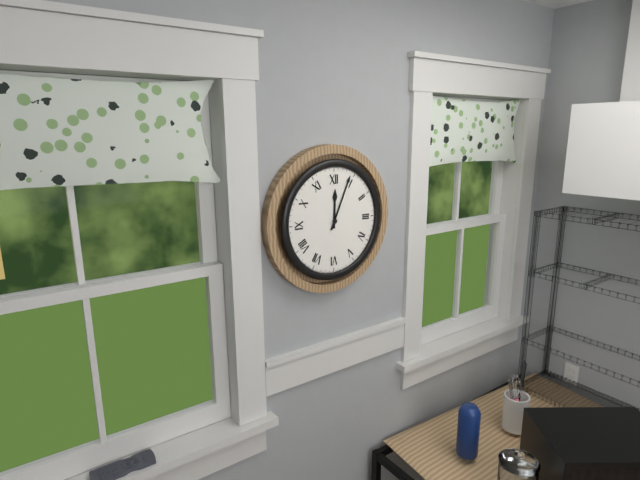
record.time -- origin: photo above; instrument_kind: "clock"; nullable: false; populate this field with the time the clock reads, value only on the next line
12:04
